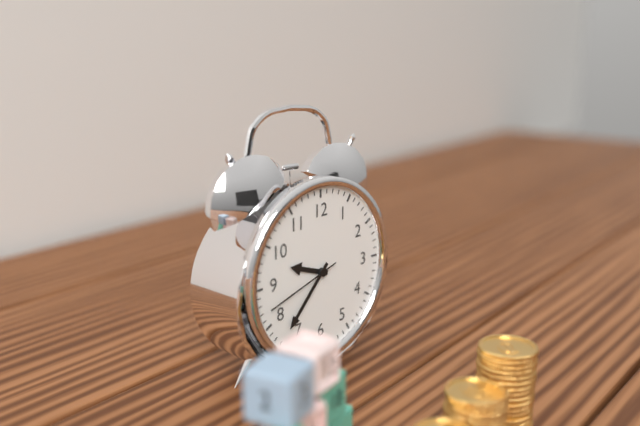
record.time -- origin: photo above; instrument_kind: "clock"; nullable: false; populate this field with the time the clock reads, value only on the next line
9:37:42
